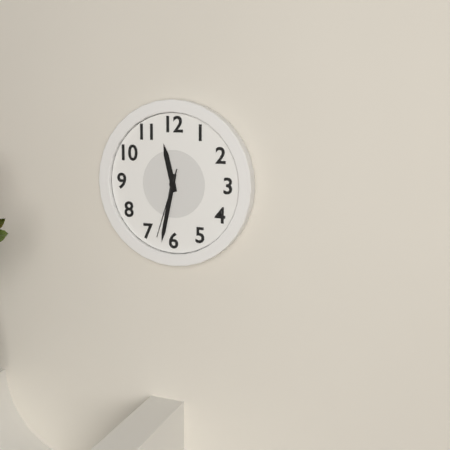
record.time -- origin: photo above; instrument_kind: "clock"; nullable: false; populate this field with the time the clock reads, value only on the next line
11:32:33
